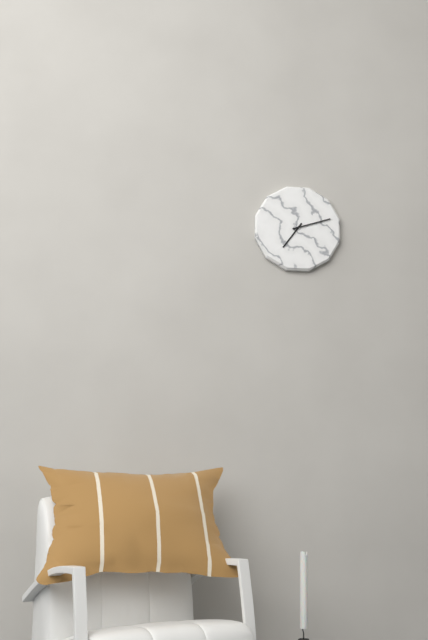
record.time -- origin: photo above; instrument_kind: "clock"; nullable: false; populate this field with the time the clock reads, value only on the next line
7:12
